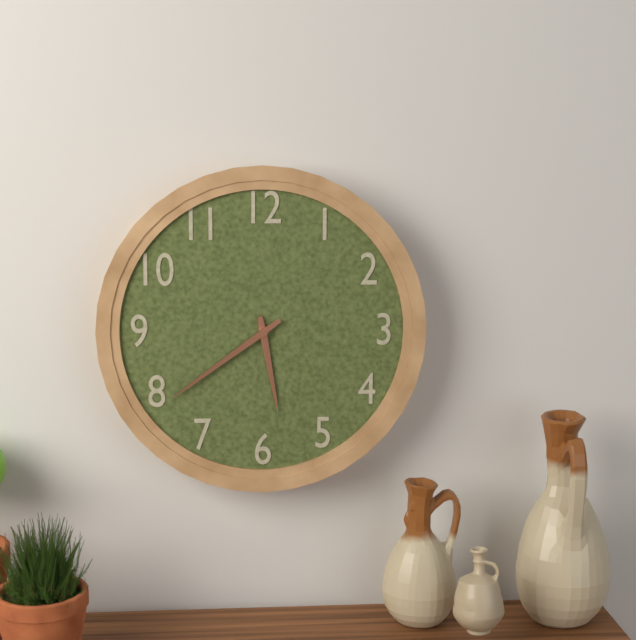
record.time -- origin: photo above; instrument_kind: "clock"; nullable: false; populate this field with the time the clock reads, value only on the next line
5:39
